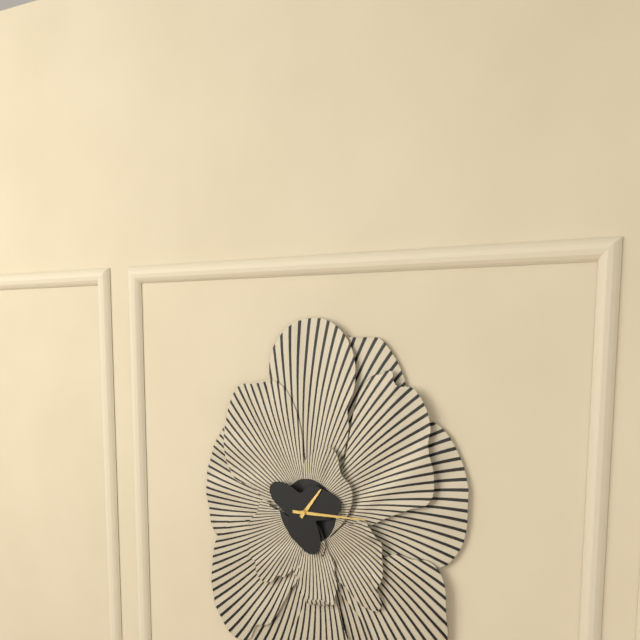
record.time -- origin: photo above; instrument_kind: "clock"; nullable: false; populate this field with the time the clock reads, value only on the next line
1:15
